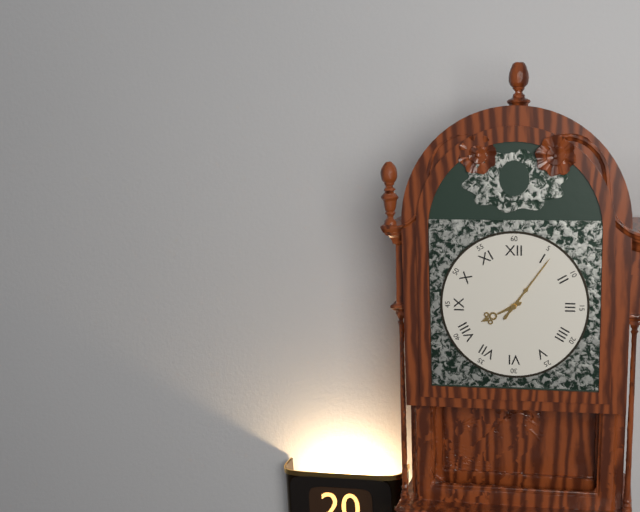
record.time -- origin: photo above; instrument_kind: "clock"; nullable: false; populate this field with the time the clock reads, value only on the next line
8:06
